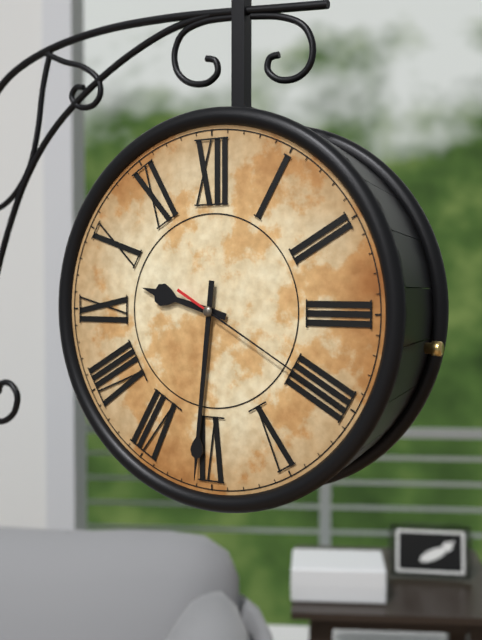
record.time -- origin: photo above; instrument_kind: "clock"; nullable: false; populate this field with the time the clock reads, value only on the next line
9:31:20
